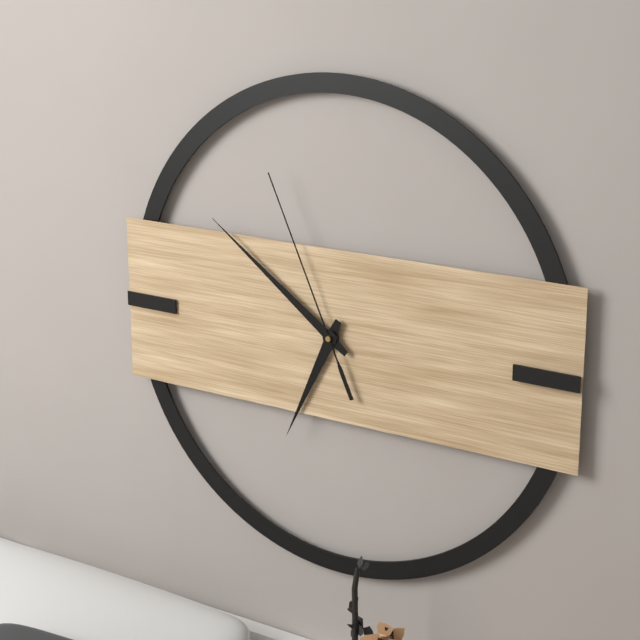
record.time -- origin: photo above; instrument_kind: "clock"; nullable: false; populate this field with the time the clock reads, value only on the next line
6:51:56
